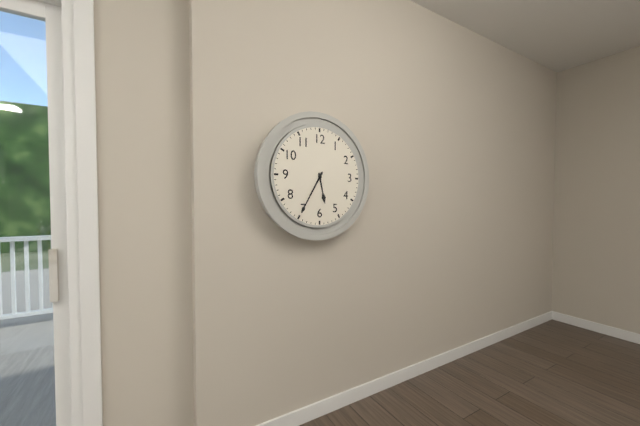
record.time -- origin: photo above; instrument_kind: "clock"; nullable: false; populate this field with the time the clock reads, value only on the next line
5:35
